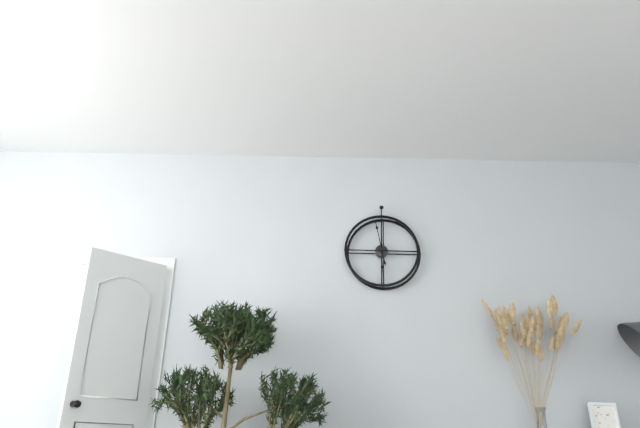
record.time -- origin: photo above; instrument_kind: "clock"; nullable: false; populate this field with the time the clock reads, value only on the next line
5:58
